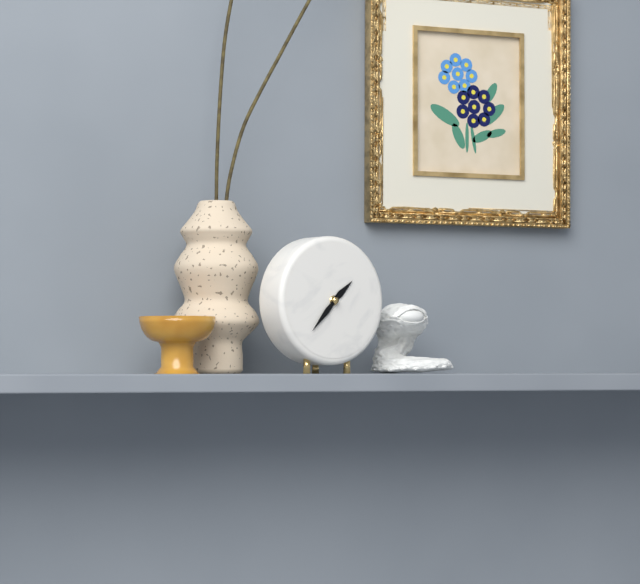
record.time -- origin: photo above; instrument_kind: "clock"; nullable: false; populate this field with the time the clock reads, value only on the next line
1:37
